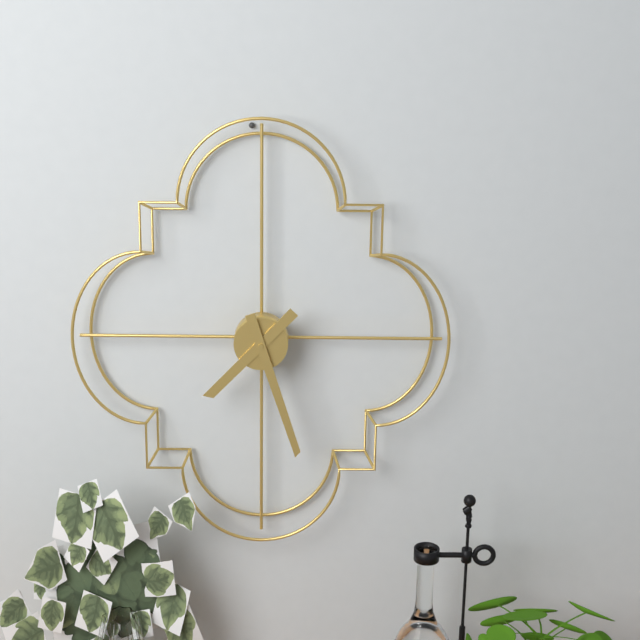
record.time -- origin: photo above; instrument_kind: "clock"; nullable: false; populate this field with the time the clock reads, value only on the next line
7:27
